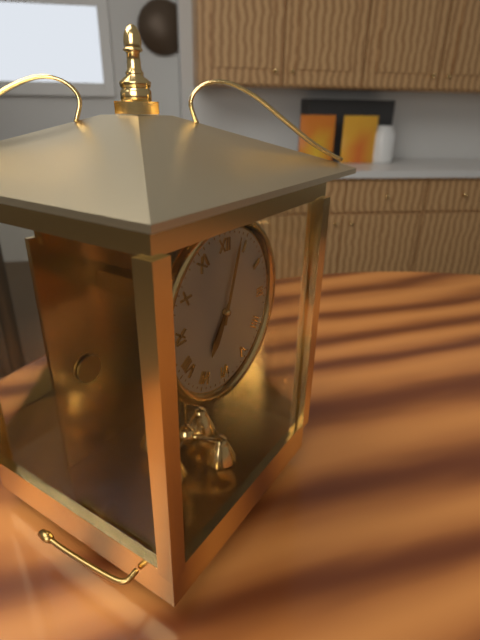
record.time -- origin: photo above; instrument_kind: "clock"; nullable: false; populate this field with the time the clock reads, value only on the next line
7:03
